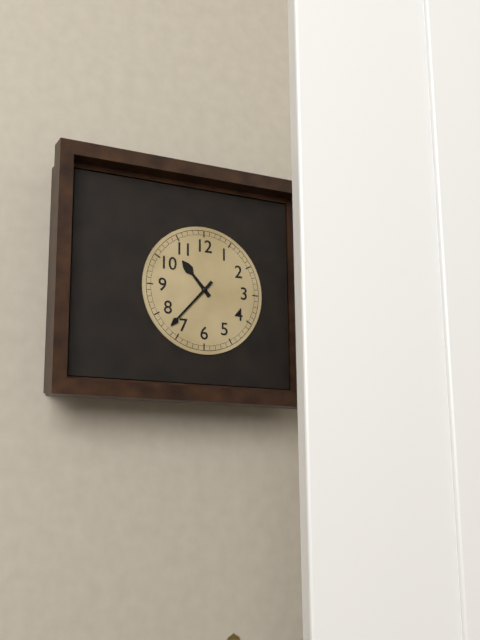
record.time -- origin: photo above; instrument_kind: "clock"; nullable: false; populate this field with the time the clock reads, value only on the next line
10:37
